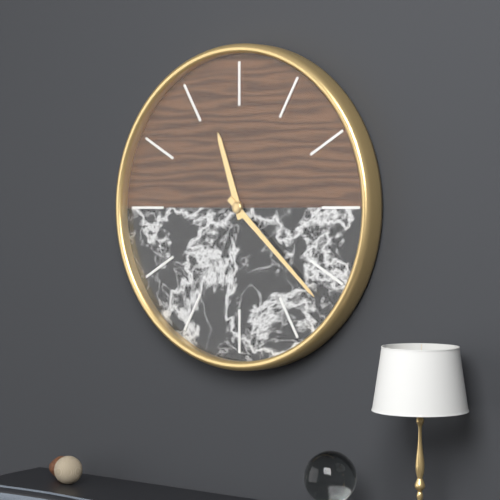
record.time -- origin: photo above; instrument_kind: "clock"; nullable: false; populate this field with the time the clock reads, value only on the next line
11:22
